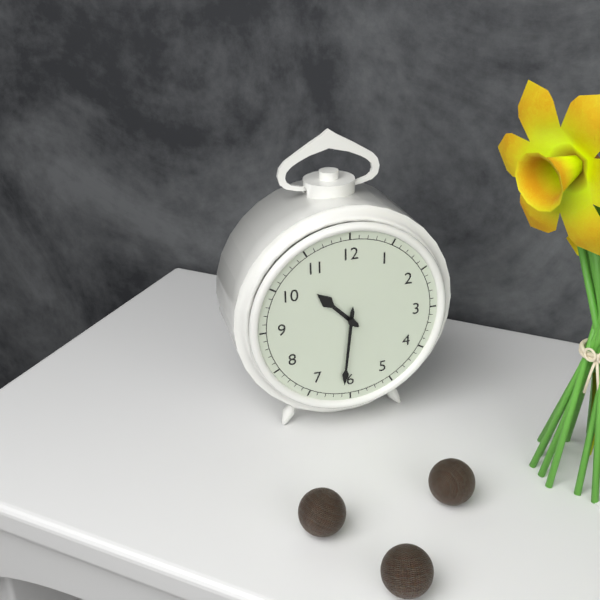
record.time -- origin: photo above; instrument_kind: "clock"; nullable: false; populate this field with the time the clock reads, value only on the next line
10:31
